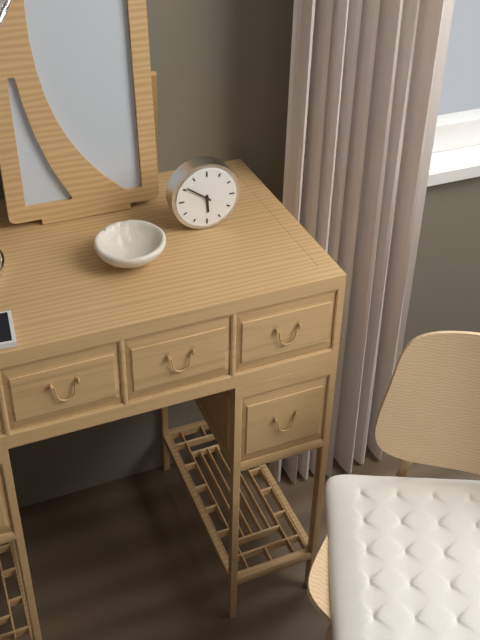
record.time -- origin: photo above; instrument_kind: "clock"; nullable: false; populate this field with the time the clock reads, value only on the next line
5:51
